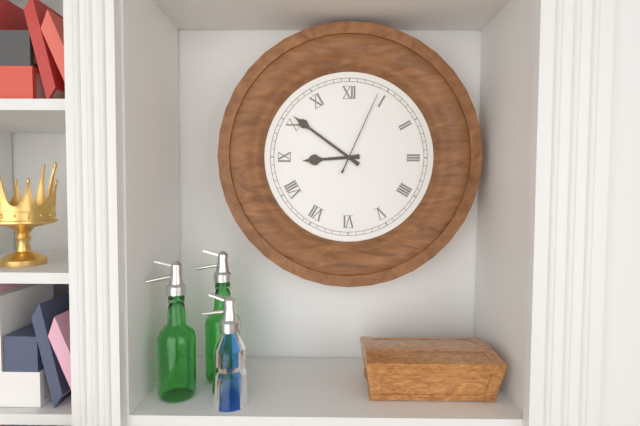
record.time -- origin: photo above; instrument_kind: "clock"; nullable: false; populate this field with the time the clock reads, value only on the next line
8:51:04
